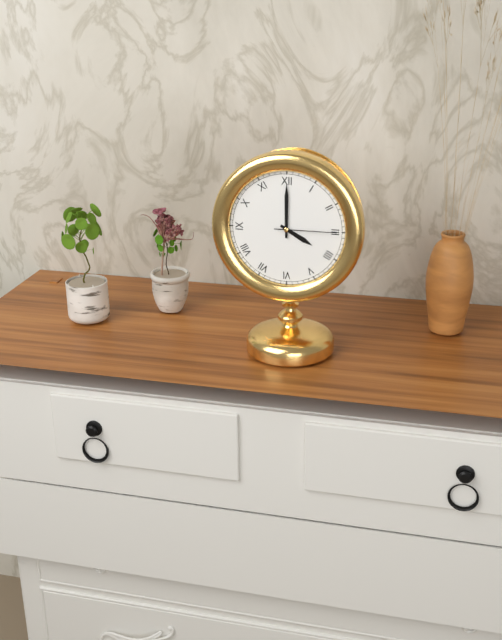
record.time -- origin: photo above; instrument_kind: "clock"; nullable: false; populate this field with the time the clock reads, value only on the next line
4:00:15
